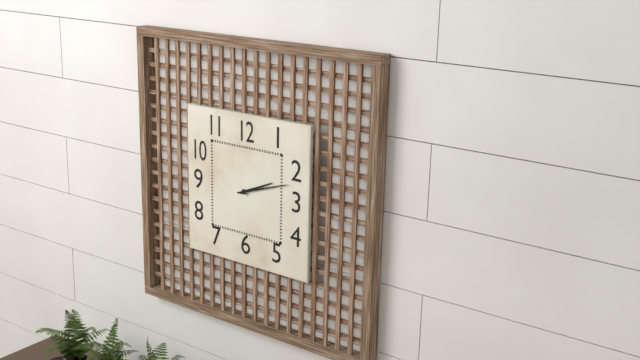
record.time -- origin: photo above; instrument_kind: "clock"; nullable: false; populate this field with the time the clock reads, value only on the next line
2:12
